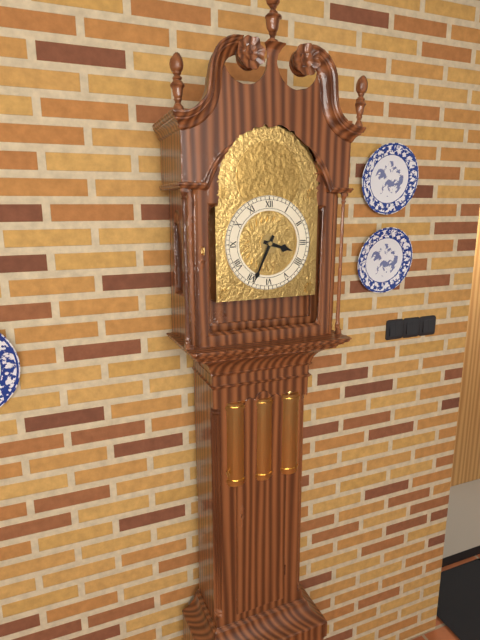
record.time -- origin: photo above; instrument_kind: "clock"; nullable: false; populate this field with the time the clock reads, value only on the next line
3:34
